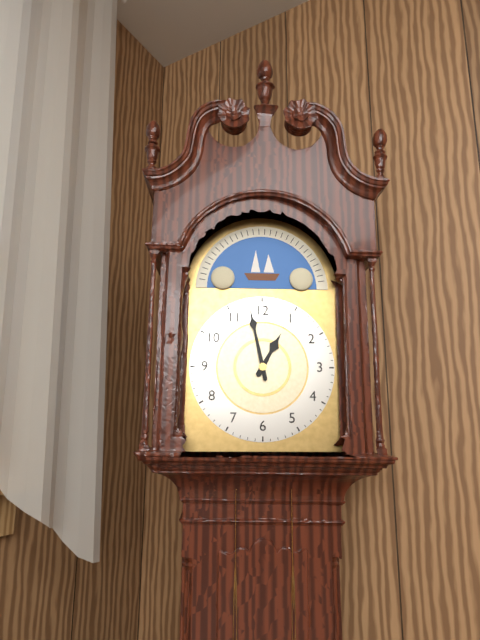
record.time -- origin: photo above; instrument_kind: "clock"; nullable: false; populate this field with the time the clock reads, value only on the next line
12:58
